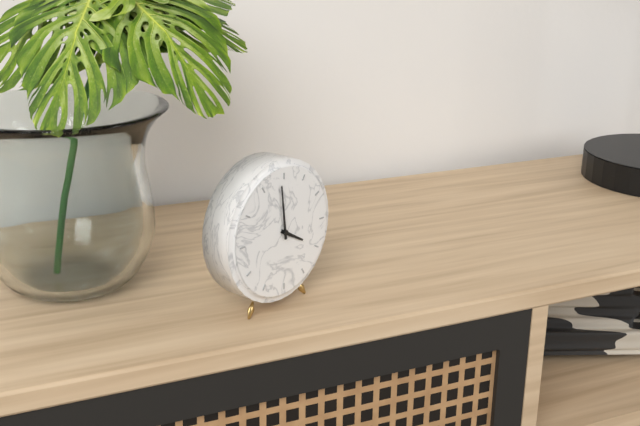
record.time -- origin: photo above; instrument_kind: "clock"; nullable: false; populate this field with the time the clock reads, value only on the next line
3:59
